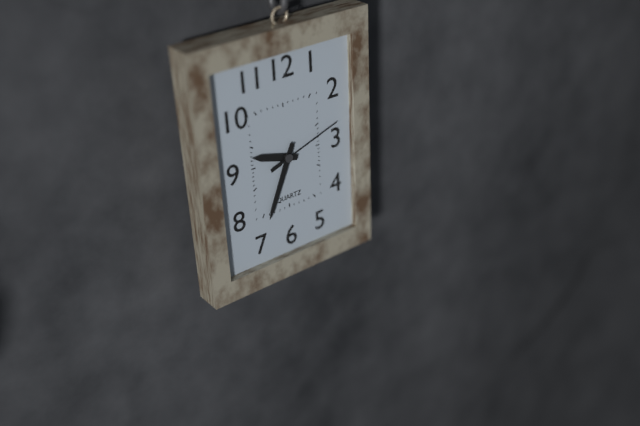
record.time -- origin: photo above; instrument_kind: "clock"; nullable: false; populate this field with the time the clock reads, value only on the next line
9:34:12
